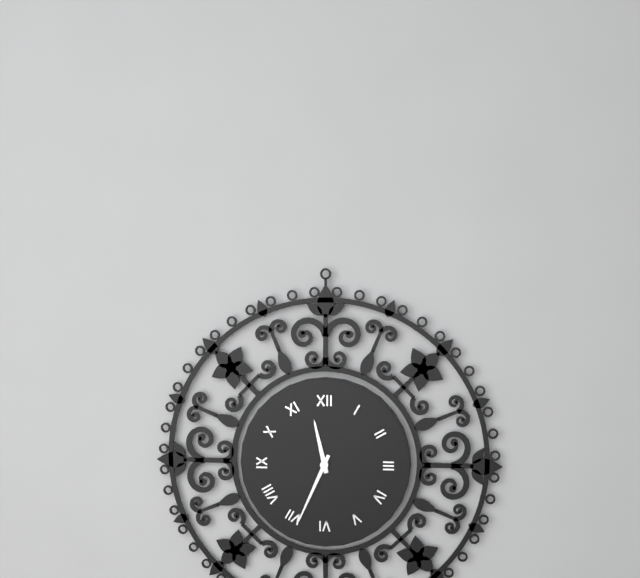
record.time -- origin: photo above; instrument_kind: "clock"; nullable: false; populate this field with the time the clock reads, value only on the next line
11:34
